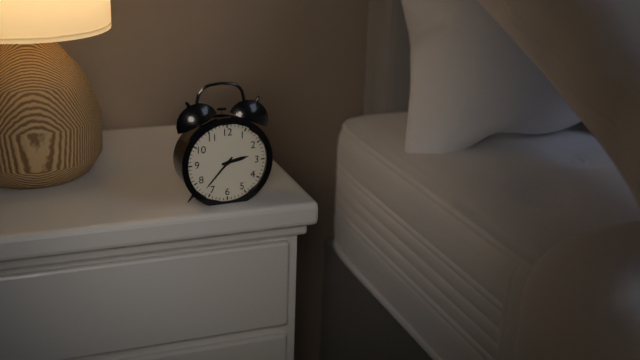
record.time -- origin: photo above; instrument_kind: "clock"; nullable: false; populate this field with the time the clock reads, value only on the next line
2:37
